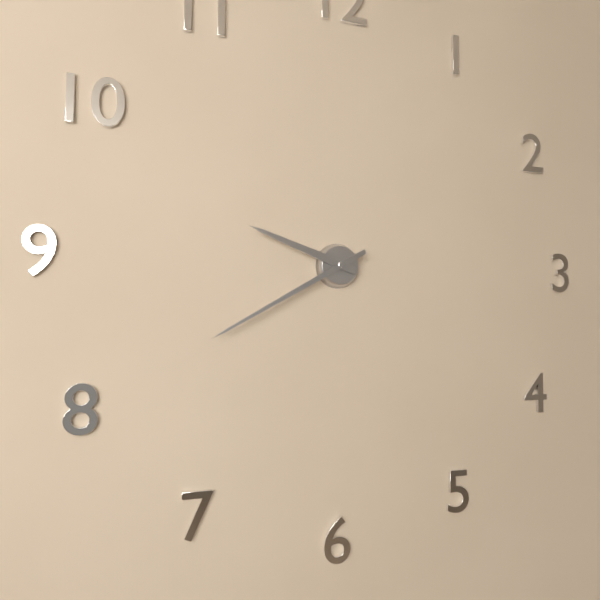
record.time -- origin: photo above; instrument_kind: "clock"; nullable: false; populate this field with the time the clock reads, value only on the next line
9:40
